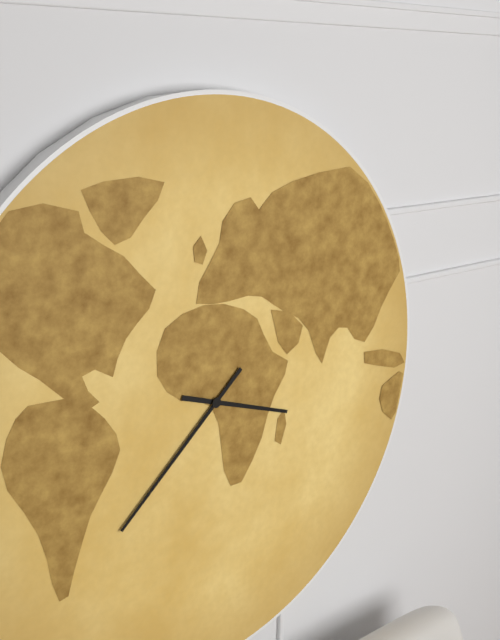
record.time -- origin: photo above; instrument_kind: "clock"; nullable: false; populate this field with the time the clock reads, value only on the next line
3:38
